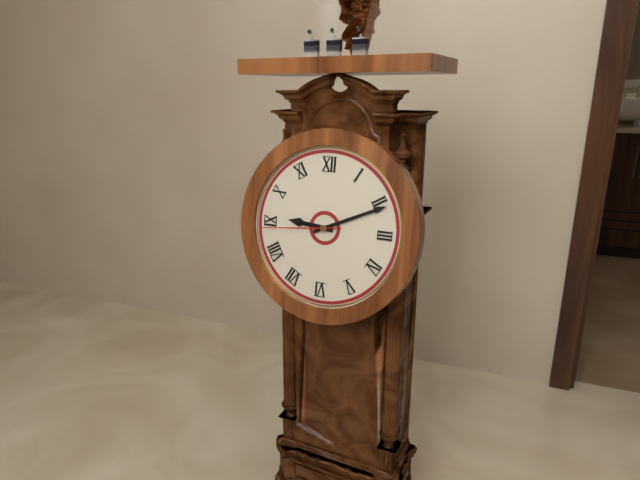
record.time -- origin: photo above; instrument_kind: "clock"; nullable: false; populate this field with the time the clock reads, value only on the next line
9:11:44
